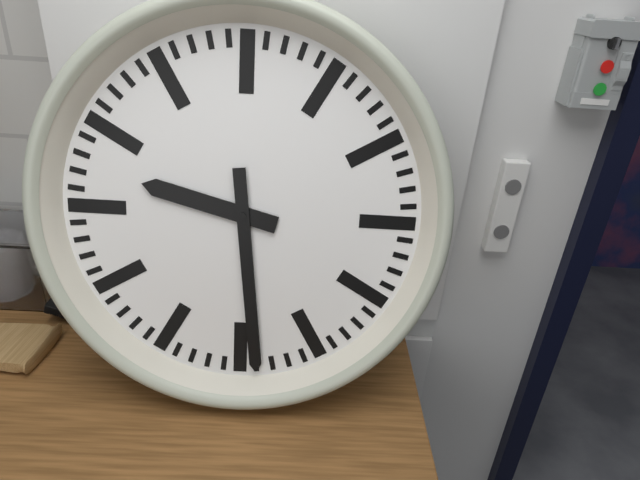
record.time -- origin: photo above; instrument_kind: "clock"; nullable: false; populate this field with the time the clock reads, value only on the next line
9:29
